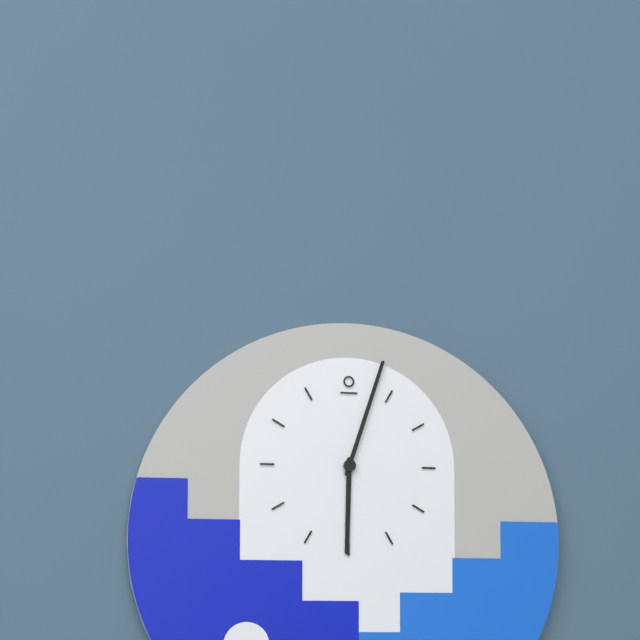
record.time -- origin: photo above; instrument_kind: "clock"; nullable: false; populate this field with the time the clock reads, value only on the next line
6:03
